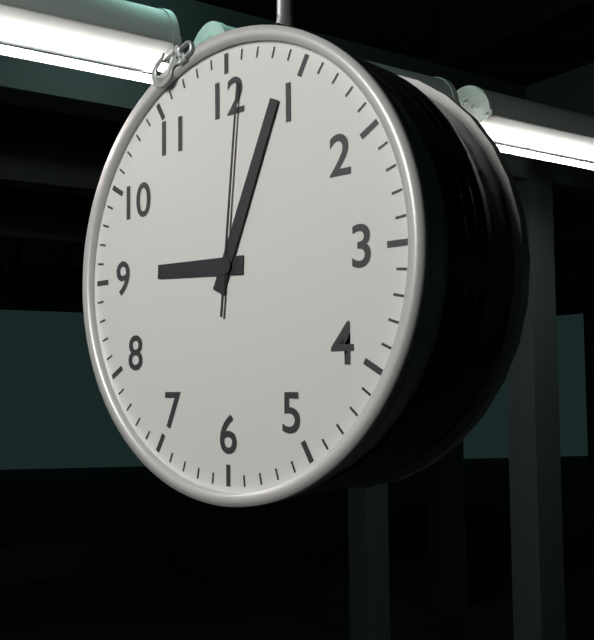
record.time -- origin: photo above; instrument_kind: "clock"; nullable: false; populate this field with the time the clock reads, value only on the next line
9:04:01
